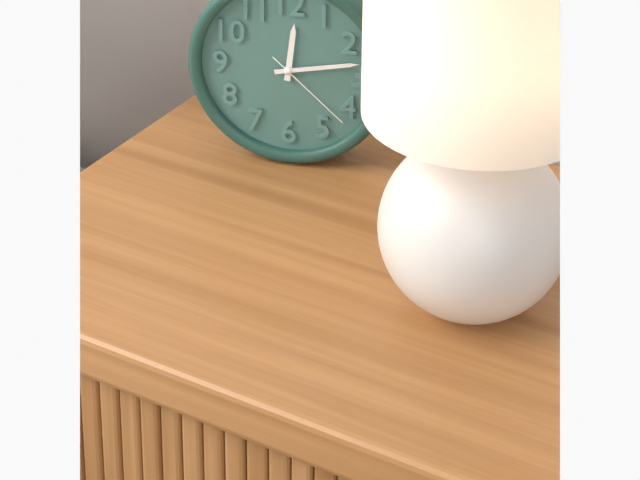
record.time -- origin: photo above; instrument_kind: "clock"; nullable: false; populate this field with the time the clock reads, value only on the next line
12:13:22
